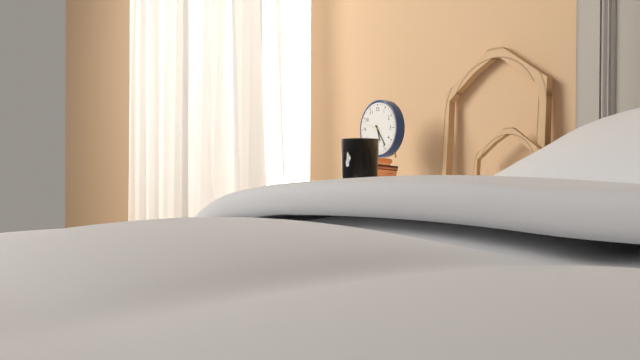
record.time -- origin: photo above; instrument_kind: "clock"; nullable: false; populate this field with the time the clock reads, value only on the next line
5:24
